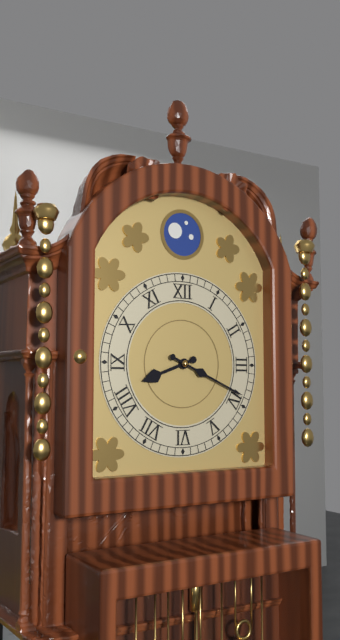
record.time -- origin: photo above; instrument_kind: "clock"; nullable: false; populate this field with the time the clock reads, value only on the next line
8:19
